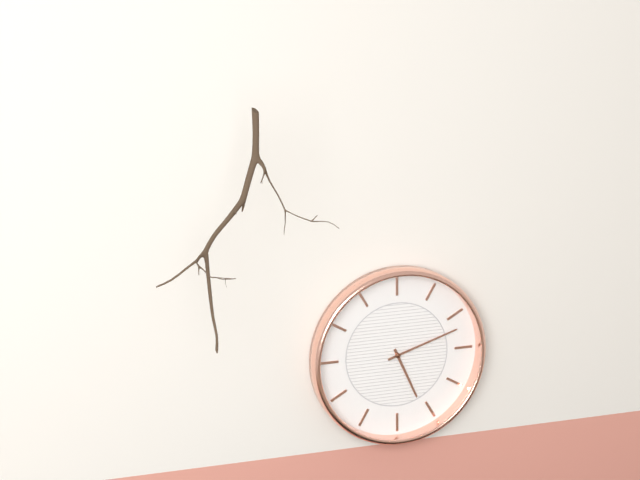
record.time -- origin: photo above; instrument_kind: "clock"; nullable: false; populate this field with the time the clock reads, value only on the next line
5:12
